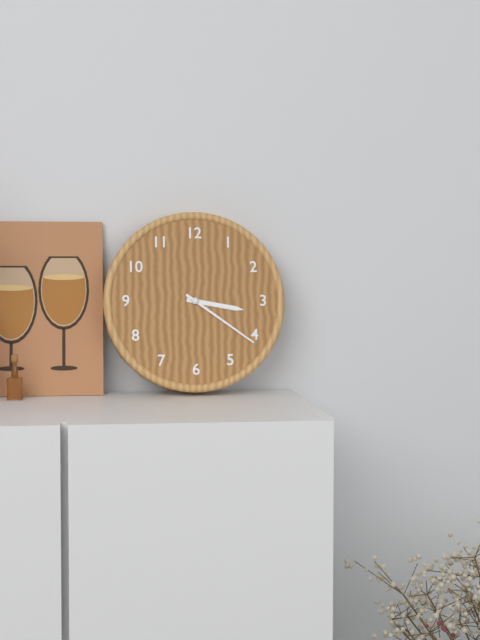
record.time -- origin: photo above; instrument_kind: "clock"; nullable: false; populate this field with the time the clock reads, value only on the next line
3:21
